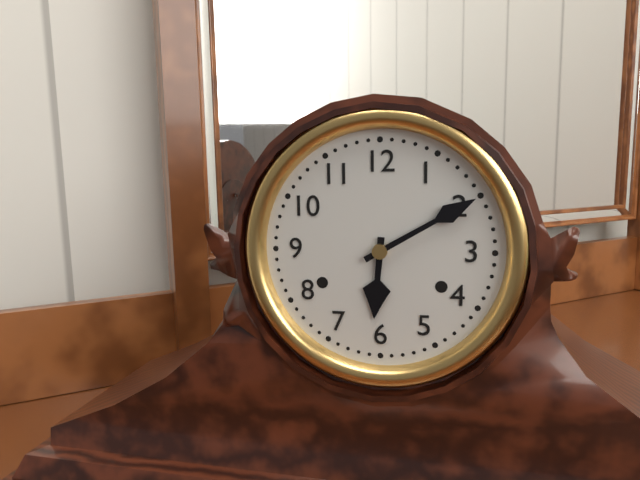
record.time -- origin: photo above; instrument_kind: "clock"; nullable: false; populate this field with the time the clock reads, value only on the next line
6:10
